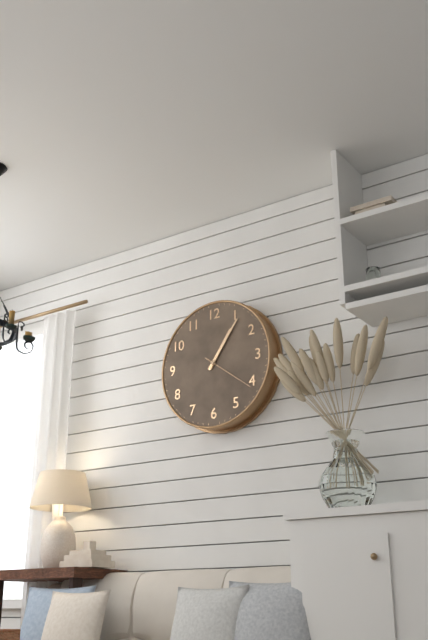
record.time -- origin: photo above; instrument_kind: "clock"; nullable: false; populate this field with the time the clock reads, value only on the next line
1:06:21
